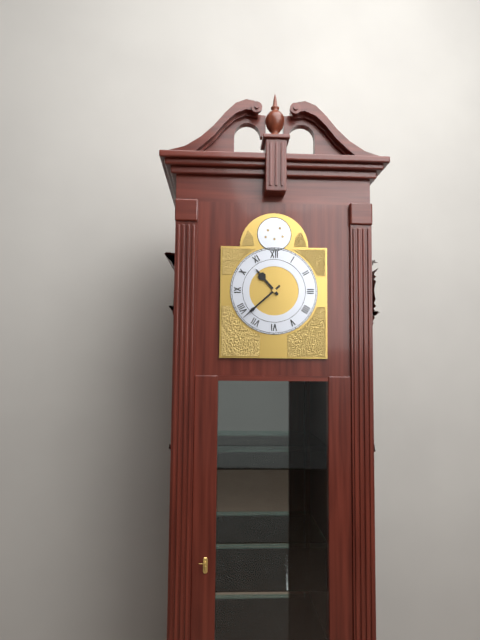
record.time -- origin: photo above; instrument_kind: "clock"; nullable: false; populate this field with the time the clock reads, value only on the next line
10:38
